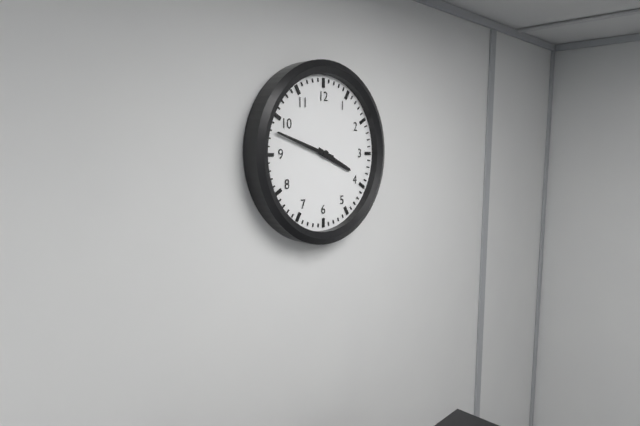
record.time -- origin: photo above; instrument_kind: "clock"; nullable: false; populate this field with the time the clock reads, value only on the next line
3:48
